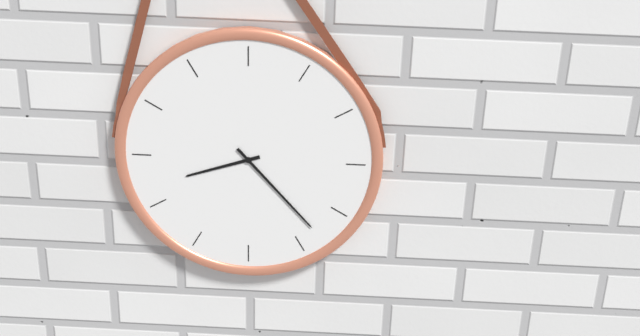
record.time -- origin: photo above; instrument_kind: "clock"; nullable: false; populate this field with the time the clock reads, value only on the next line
8:23
